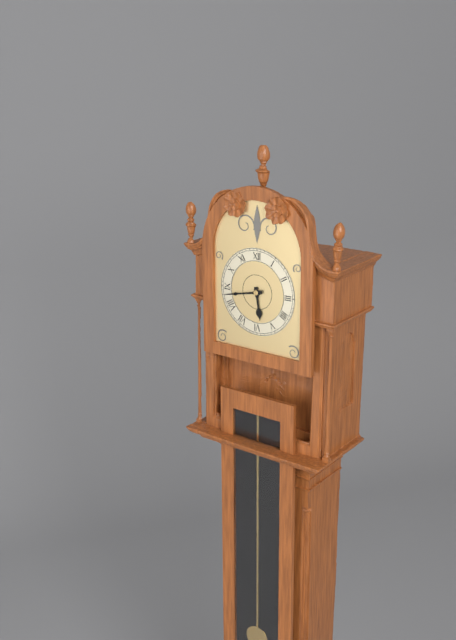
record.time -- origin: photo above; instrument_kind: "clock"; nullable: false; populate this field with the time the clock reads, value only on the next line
5:43
